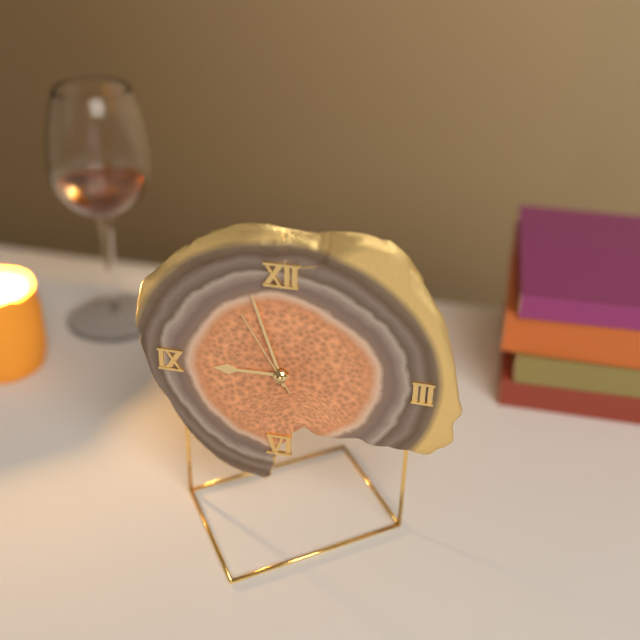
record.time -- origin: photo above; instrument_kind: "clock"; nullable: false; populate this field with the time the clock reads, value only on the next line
8:57:55
